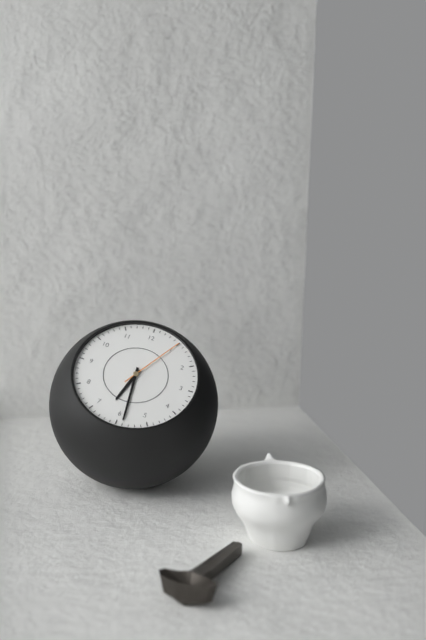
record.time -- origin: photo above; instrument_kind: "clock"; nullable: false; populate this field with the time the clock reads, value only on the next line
6:29:05
